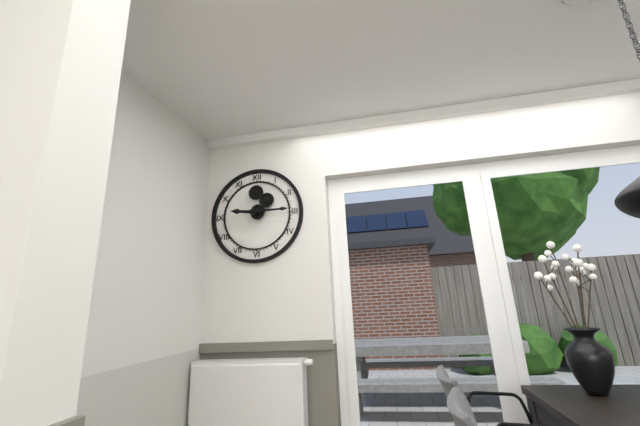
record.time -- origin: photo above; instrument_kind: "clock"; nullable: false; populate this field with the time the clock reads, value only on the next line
9:15
